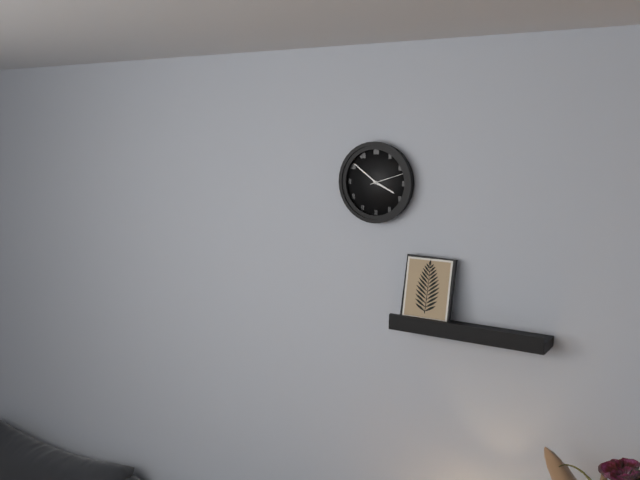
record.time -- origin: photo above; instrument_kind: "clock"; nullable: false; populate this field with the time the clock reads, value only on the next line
3:51
